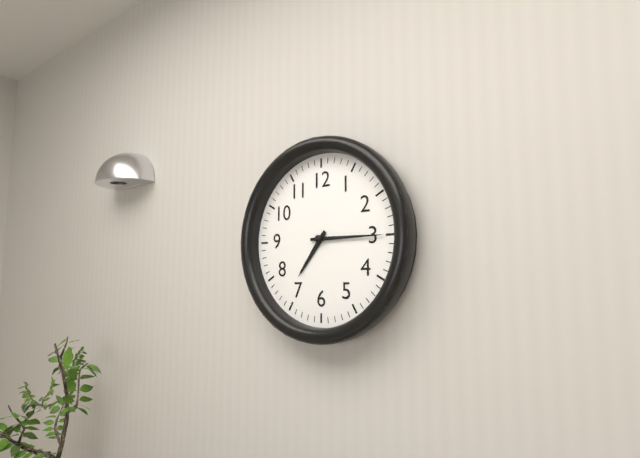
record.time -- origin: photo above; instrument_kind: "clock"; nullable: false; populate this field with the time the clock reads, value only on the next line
7:15
